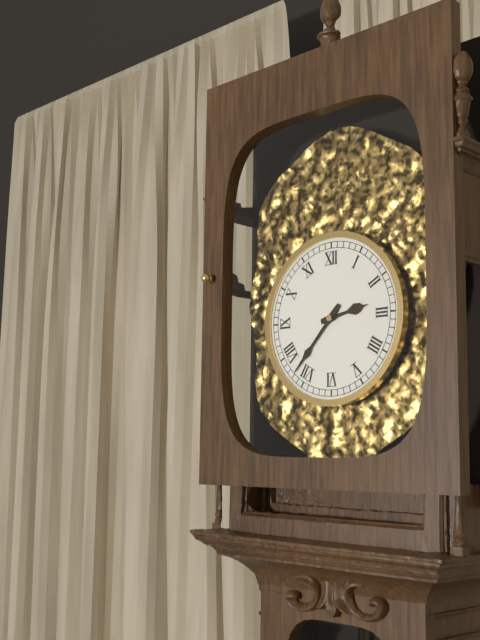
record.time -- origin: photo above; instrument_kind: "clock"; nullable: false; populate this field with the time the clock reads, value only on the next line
2:37
